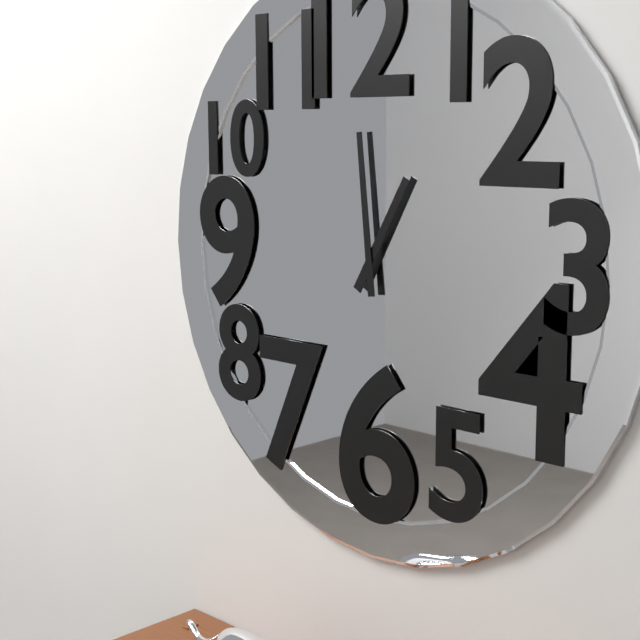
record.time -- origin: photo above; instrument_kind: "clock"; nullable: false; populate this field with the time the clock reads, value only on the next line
12:59
